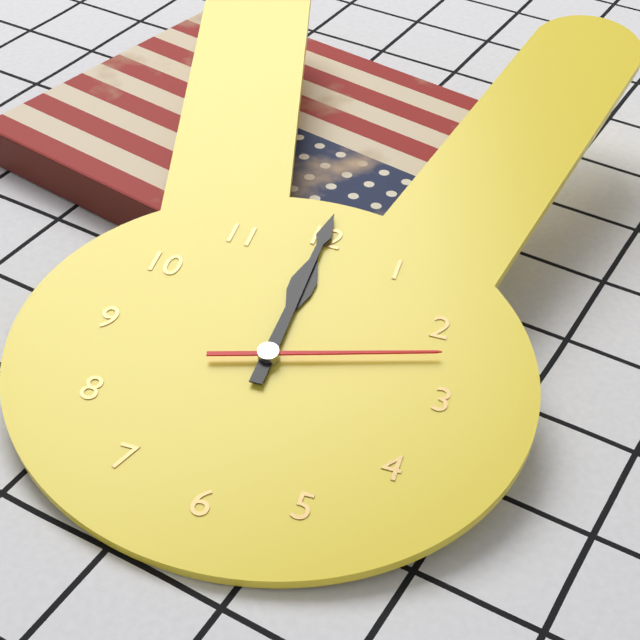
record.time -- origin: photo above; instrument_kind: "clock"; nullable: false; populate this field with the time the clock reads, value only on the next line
12:00:12
